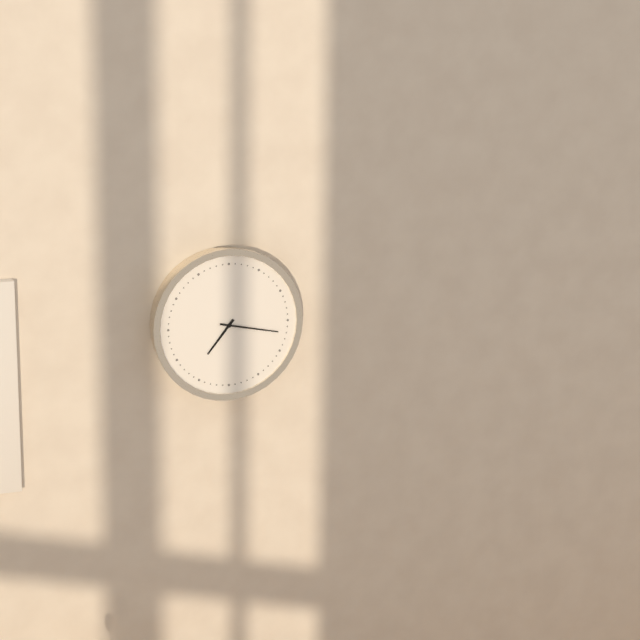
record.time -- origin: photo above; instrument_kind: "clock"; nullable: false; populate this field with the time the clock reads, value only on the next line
7:17
